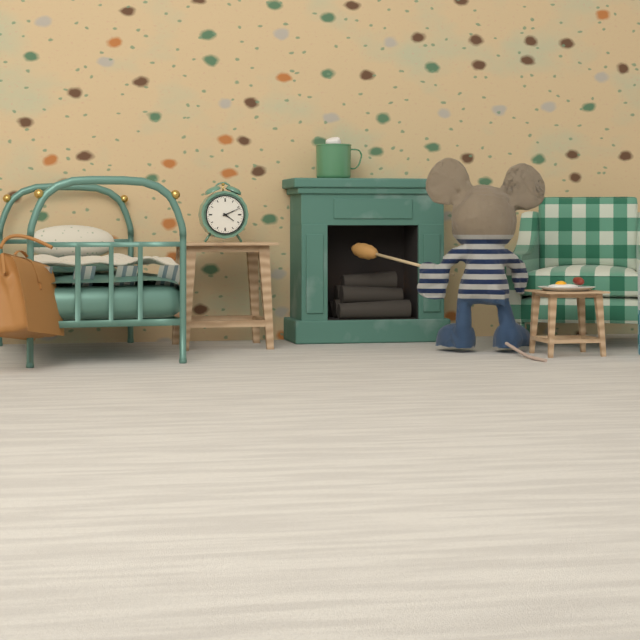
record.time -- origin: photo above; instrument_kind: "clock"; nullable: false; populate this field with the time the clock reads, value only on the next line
4:11
